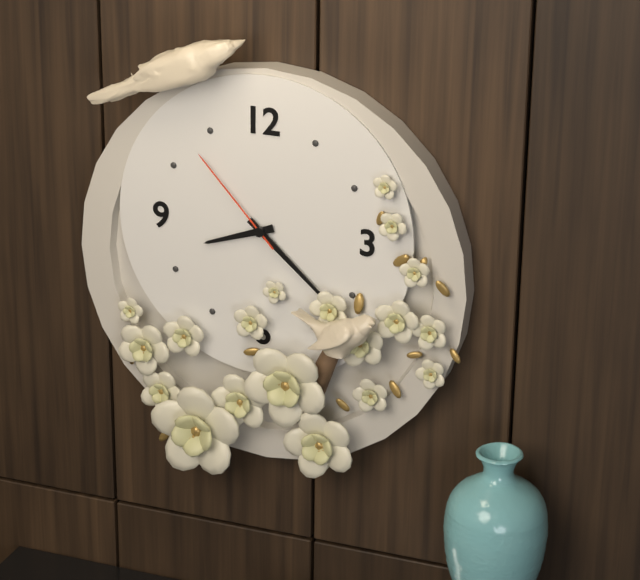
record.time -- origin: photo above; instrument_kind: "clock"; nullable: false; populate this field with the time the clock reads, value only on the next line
8:22:53
